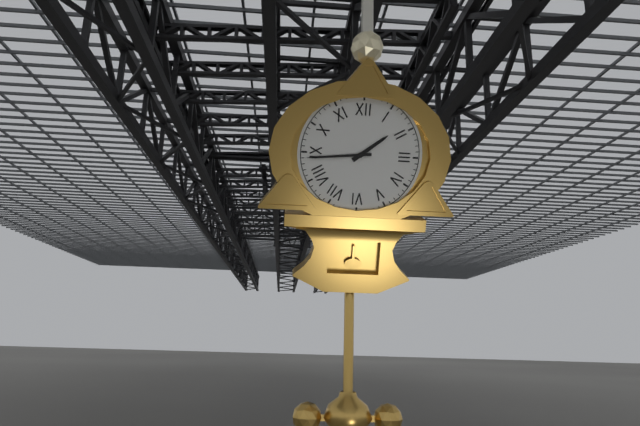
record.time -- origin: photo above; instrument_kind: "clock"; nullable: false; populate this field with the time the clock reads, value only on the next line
1:44
